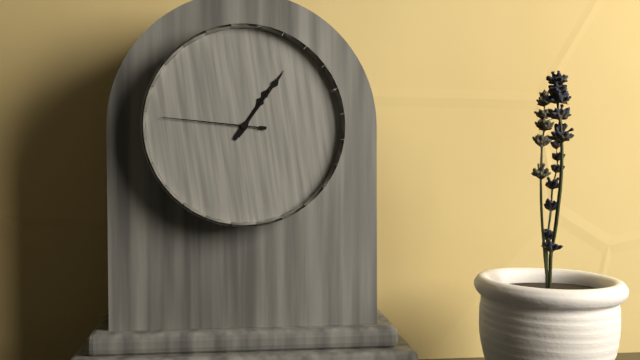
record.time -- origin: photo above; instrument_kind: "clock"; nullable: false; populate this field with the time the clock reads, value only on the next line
1:06:46
